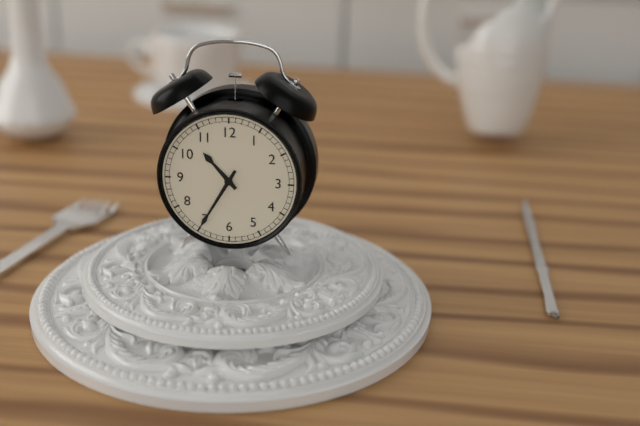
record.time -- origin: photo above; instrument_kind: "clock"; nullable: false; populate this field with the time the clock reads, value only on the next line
10:35
